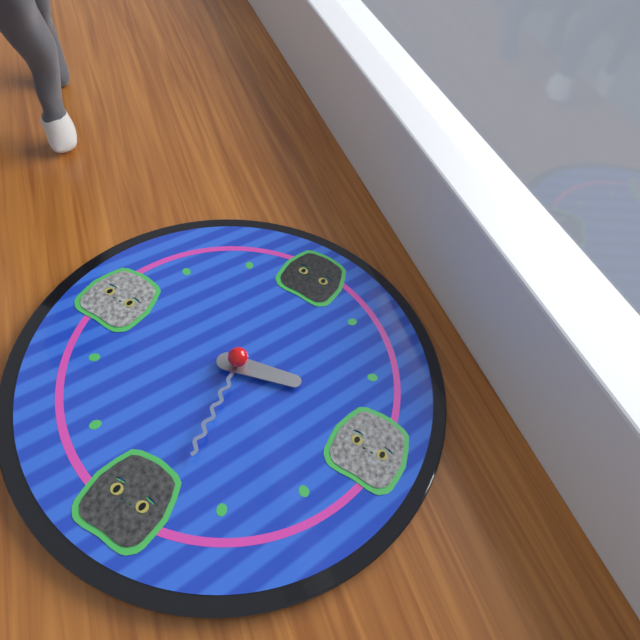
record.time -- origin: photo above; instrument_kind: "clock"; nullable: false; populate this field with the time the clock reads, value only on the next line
2:28
